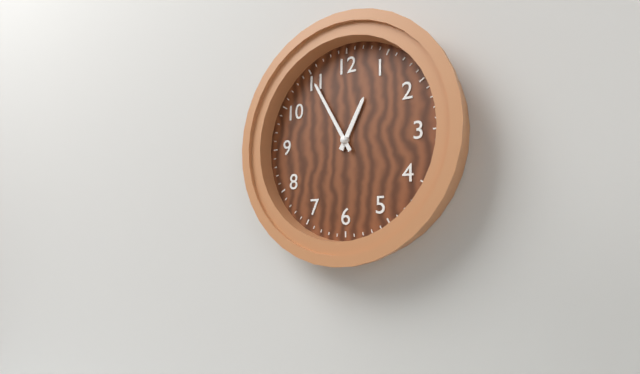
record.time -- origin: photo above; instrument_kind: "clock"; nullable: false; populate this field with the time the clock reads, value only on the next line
12:55
